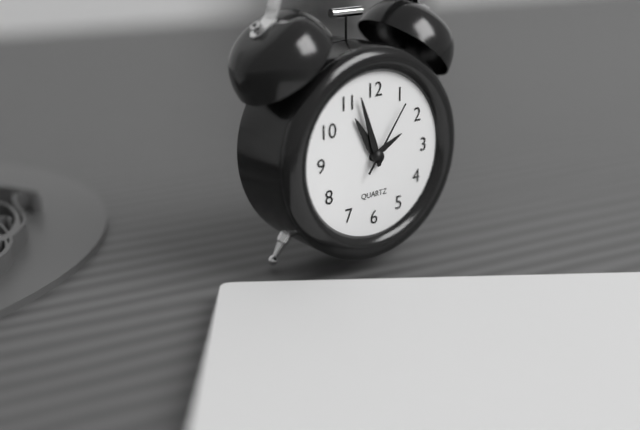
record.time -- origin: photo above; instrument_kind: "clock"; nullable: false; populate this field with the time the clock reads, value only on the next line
10:57:06
